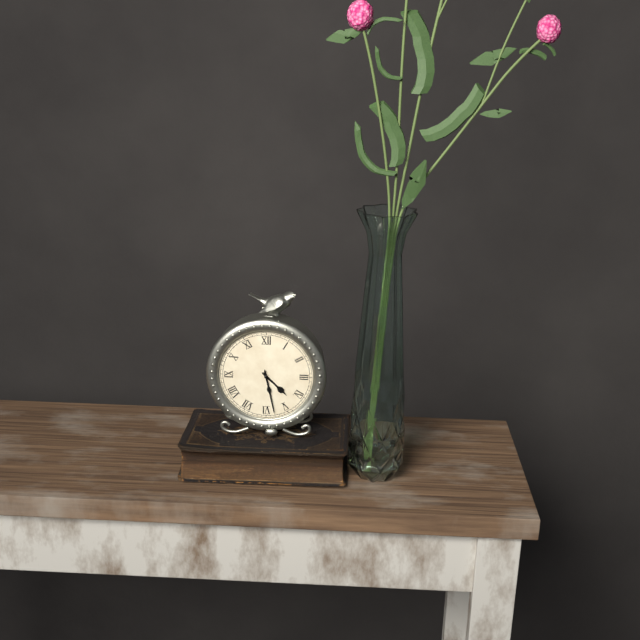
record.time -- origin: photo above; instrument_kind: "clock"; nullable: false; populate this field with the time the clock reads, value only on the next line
4:28
